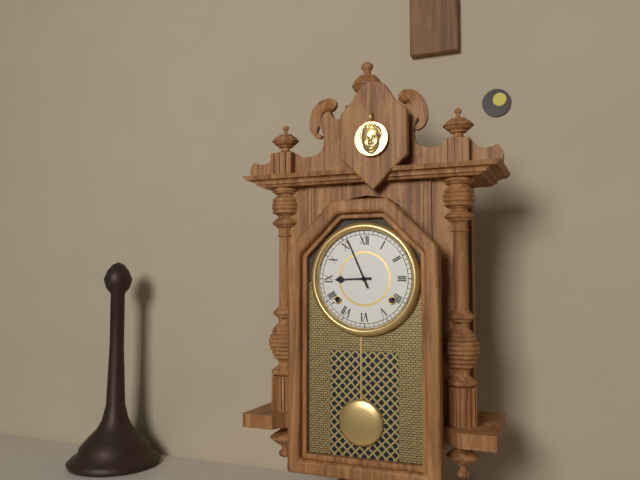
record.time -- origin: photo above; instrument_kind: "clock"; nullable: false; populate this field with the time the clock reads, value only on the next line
8:56
